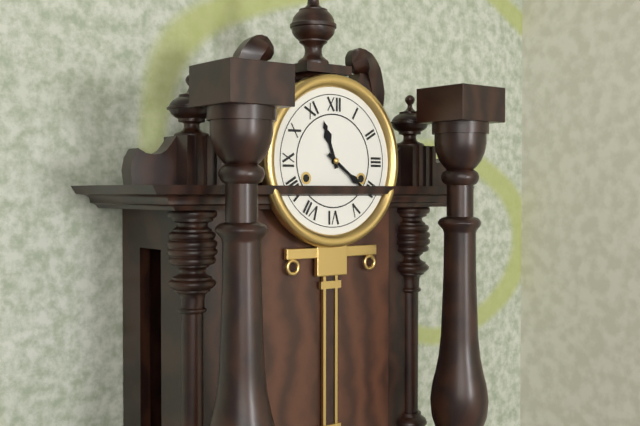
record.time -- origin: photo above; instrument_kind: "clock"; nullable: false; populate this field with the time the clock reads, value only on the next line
11:21
